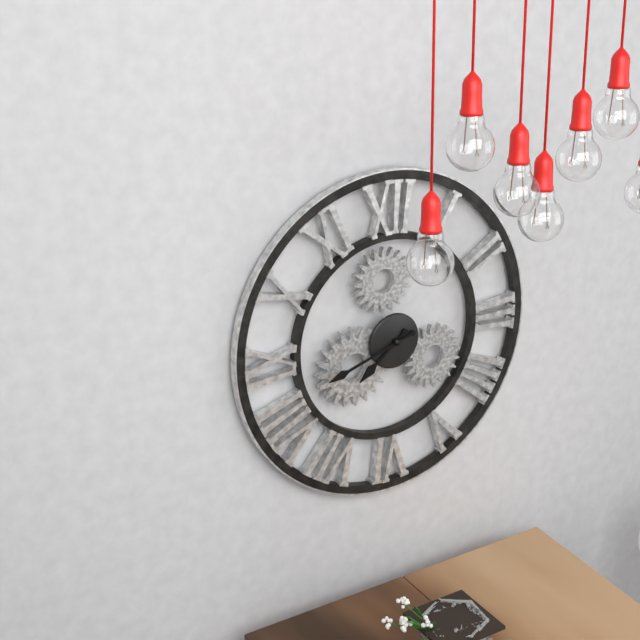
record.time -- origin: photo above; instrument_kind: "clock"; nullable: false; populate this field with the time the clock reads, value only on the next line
7:42
